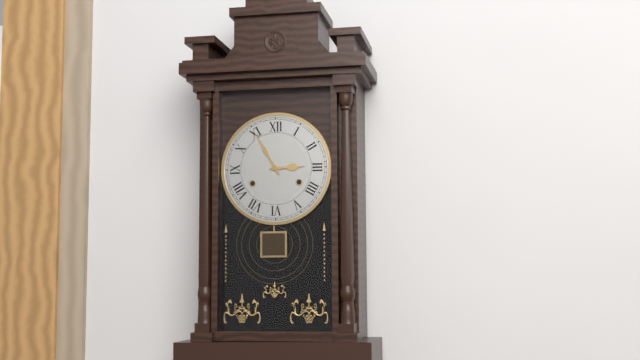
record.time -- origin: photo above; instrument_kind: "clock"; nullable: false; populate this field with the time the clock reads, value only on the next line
2:55
